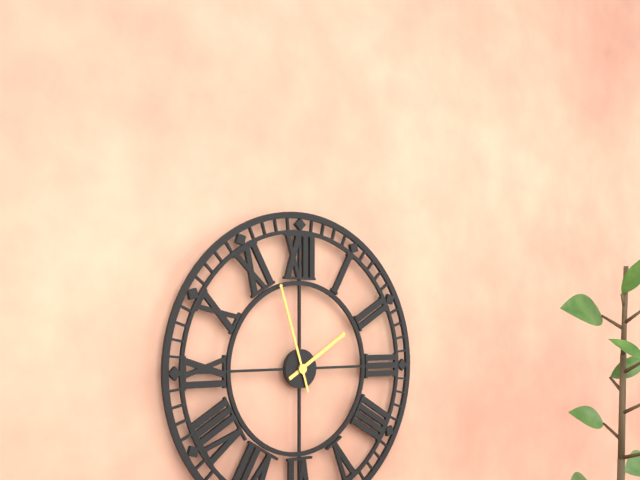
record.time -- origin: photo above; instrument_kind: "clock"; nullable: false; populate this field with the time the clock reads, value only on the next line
1:57
